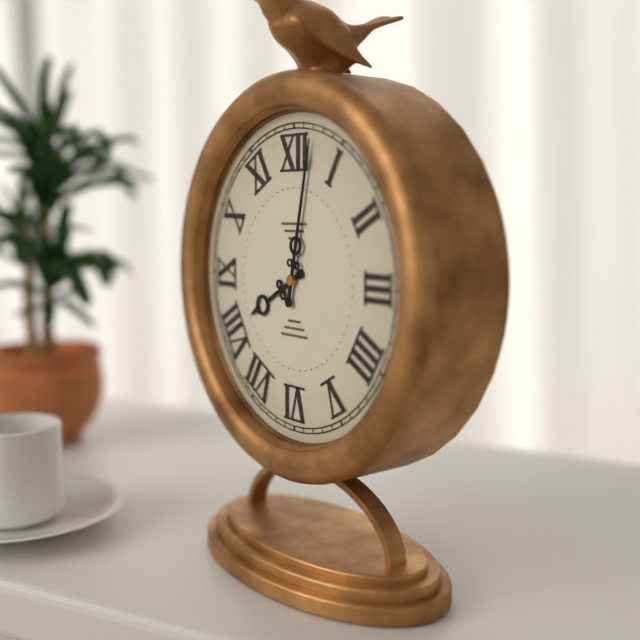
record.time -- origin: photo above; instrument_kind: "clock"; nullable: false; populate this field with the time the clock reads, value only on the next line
8:02
